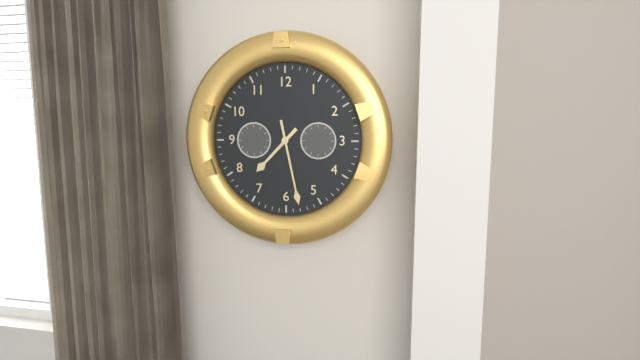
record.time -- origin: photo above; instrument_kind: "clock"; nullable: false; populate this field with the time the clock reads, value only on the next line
7:28
